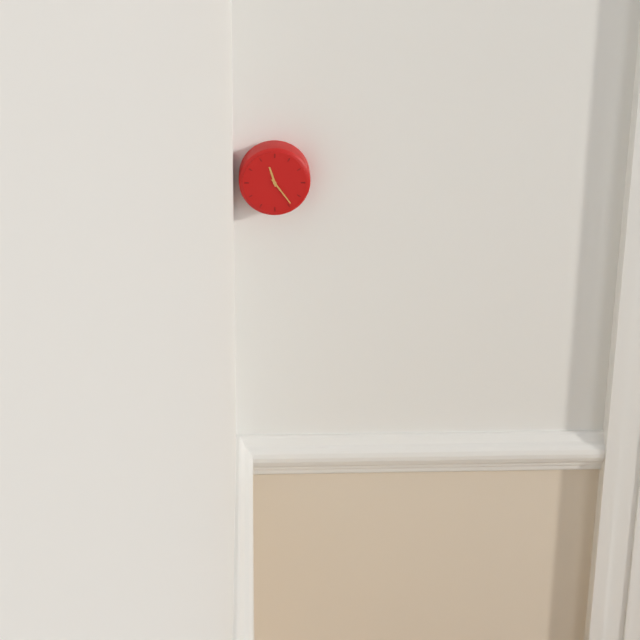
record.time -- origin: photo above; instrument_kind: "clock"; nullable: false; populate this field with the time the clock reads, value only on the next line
11:24
